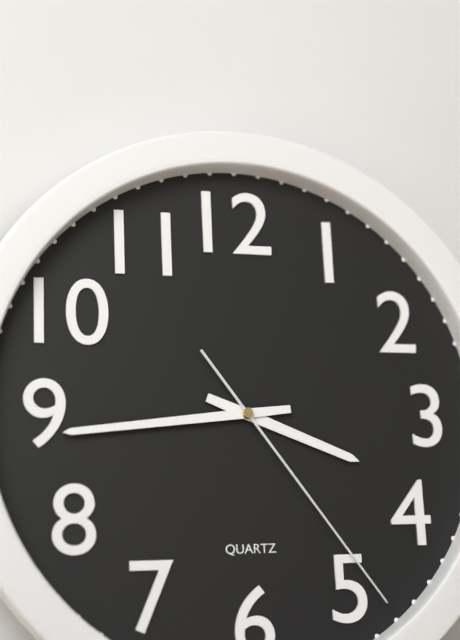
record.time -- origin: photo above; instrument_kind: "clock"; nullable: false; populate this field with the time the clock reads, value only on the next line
3:44:24
